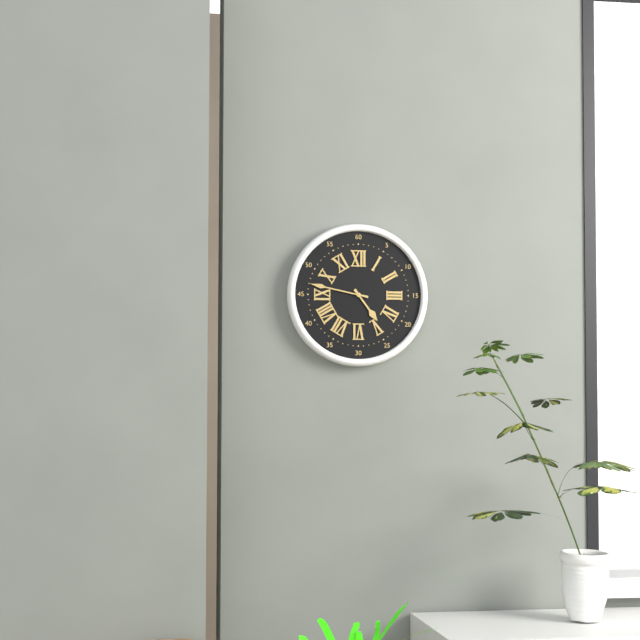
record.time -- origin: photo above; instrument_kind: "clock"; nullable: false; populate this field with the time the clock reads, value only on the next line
4:47
